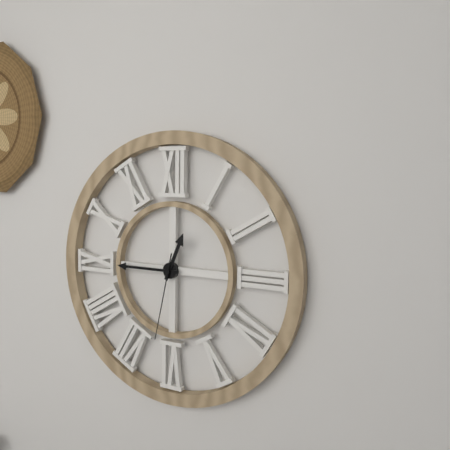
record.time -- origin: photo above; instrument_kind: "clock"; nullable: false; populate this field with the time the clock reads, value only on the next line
12:45:32
